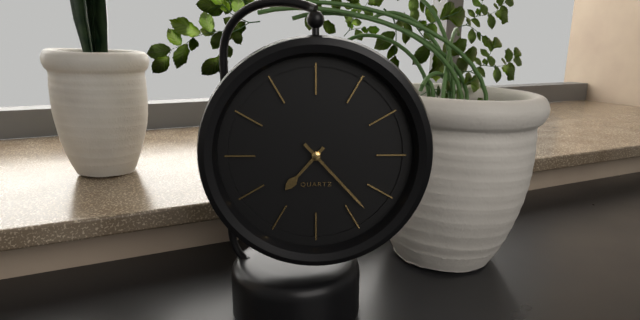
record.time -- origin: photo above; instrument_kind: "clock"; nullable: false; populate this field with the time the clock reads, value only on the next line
7:23
